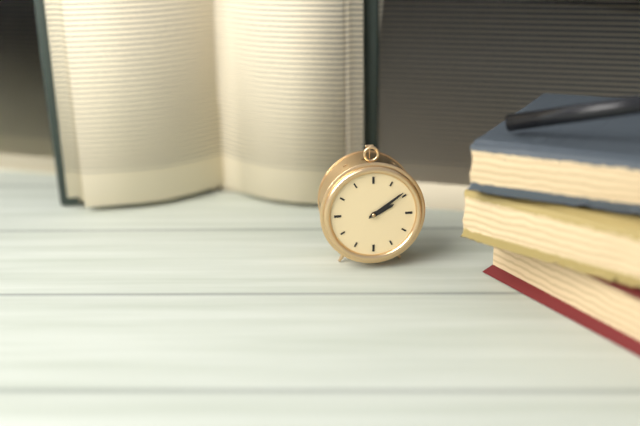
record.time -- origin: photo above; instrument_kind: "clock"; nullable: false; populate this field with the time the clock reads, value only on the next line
2:09
